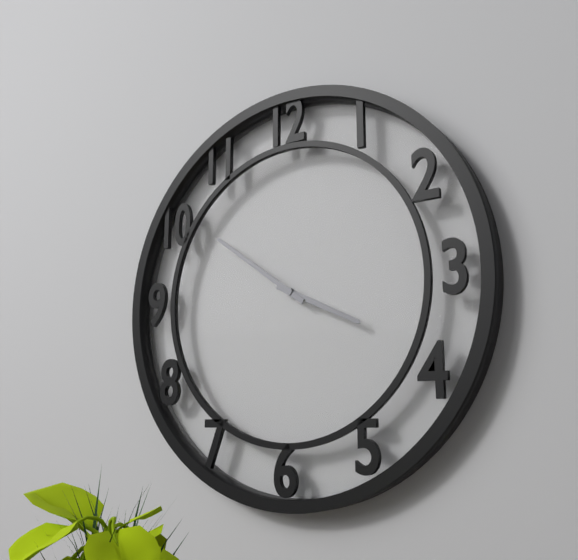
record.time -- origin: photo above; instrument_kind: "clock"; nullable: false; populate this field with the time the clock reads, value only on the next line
3:51
